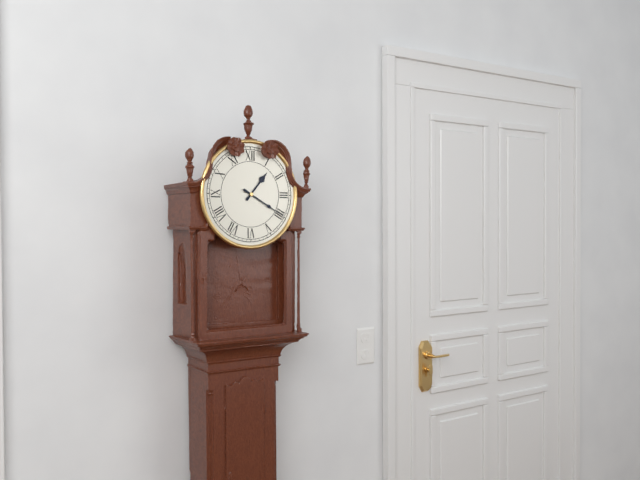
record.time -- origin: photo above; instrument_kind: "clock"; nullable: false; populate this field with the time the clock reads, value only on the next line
1:20
